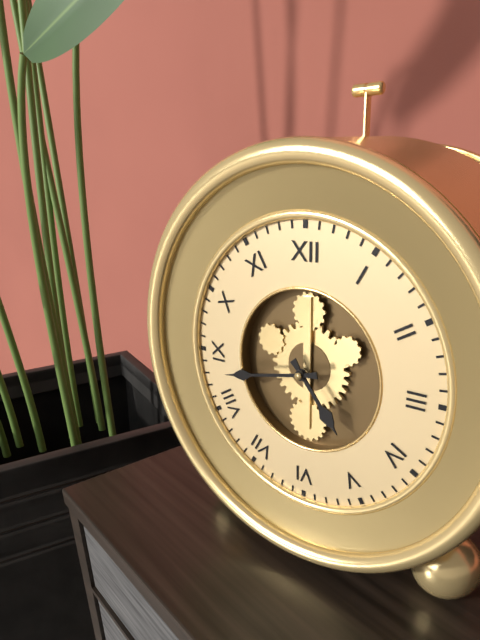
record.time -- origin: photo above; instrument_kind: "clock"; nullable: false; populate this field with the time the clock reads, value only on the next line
4:43
